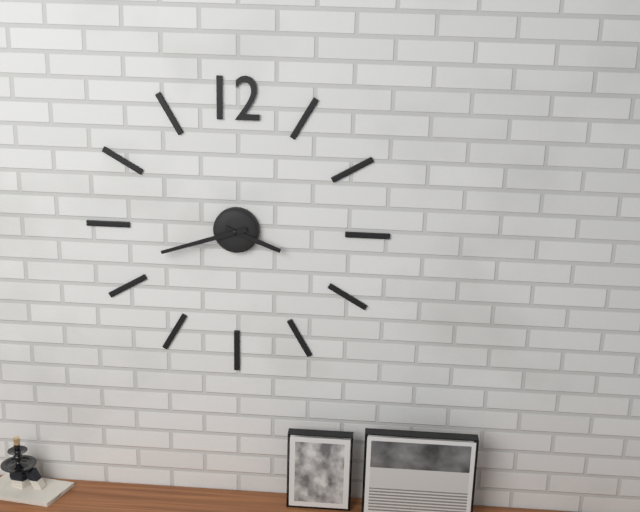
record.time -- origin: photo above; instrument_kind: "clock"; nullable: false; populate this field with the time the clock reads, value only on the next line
3:42
